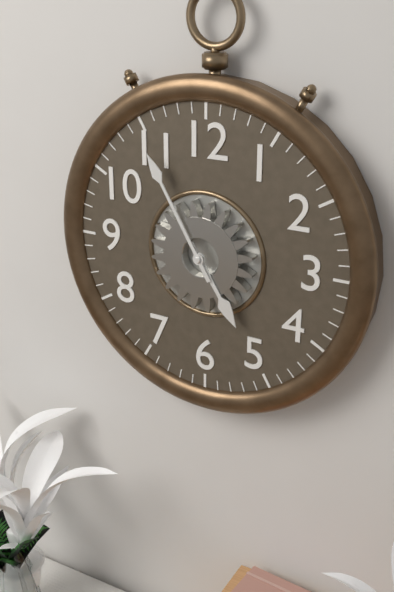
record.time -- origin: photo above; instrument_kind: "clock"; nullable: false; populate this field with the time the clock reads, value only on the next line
4:55
